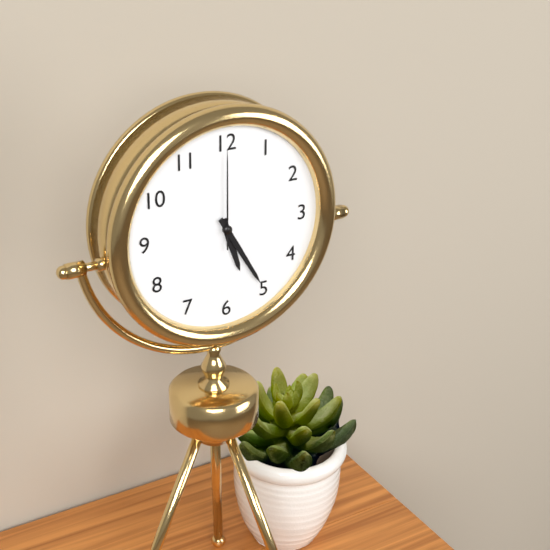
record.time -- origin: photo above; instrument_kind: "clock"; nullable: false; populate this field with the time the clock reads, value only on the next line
5:25:00
